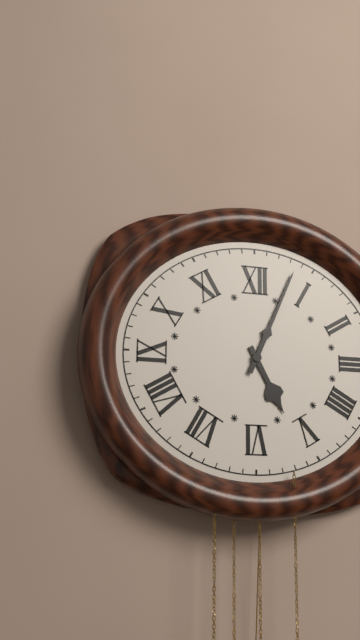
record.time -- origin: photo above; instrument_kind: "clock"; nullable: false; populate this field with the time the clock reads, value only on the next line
5:04
